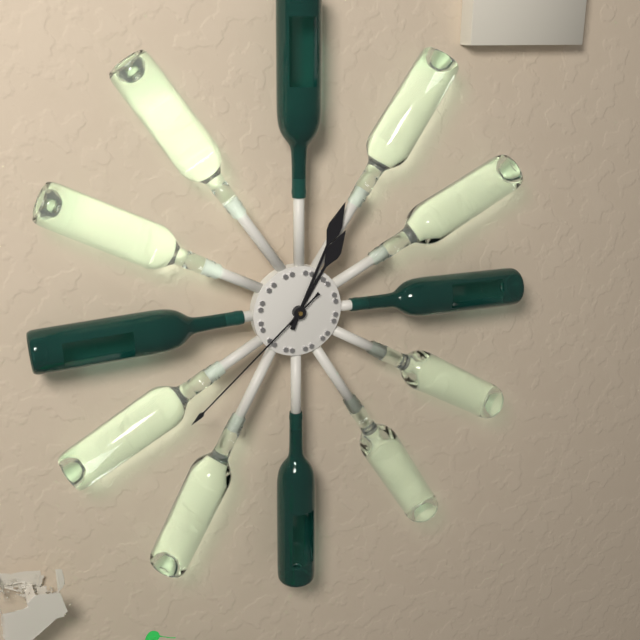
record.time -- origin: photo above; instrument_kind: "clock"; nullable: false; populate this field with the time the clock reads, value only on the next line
1:04:38
